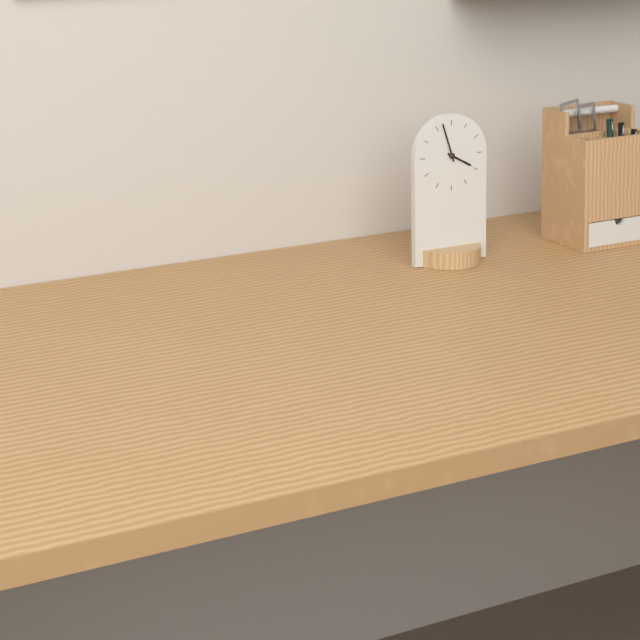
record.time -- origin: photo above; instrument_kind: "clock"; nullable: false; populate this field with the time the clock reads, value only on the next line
3:57
